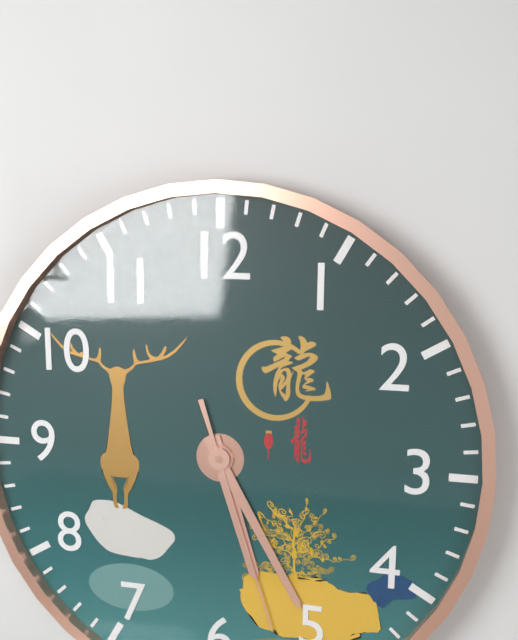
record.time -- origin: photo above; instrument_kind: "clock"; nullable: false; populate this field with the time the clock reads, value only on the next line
5:25:27
